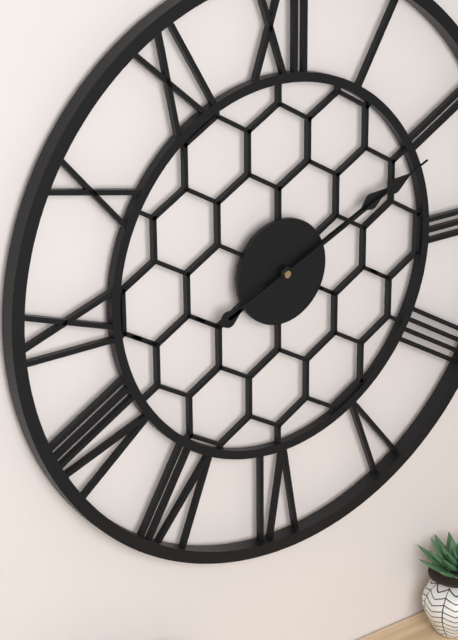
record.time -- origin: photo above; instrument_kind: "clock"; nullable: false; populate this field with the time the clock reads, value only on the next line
2:11
